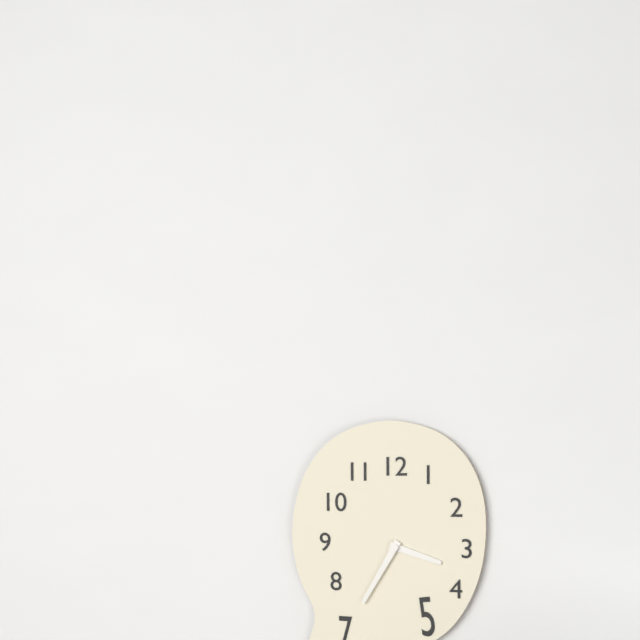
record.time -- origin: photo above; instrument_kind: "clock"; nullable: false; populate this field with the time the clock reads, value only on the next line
3:35
